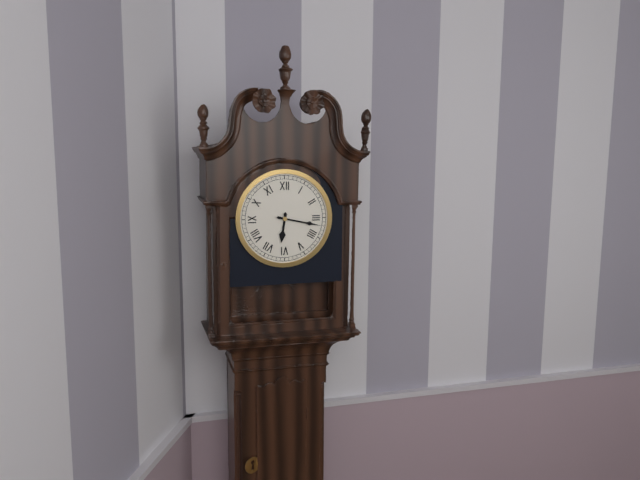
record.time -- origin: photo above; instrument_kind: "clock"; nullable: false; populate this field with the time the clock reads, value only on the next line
6:17
